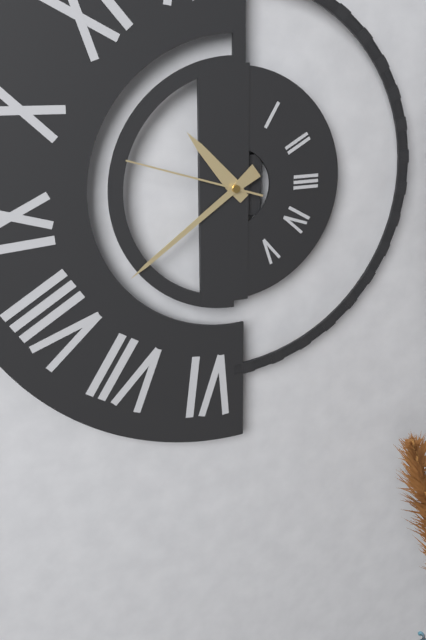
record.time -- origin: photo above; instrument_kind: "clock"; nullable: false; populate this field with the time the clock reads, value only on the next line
10:39:48
